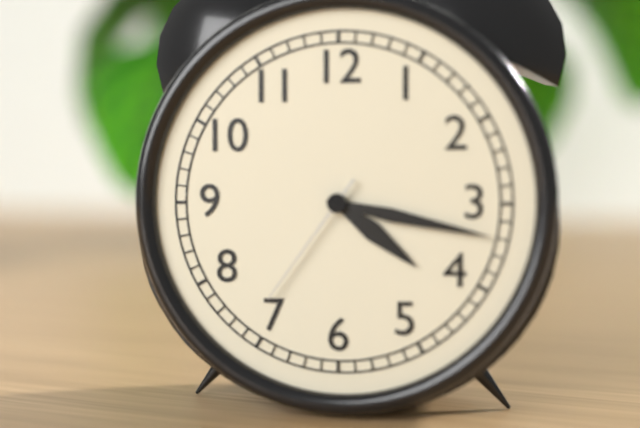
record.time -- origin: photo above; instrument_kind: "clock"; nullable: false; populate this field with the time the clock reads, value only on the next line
4:17:36
